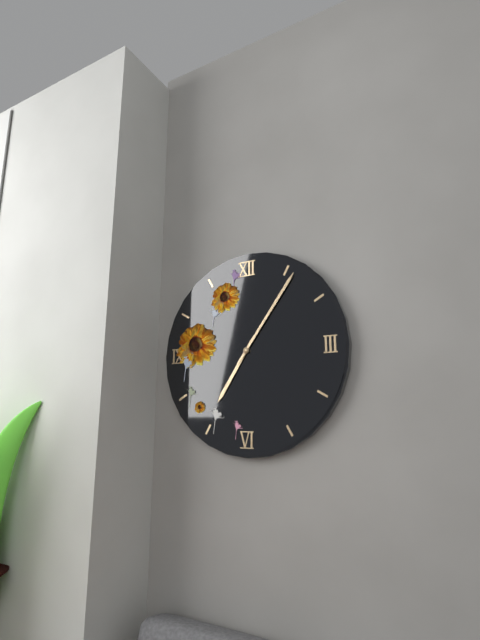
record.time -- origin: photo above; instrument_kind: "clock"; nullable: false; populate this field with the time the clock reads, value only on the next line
7:06
